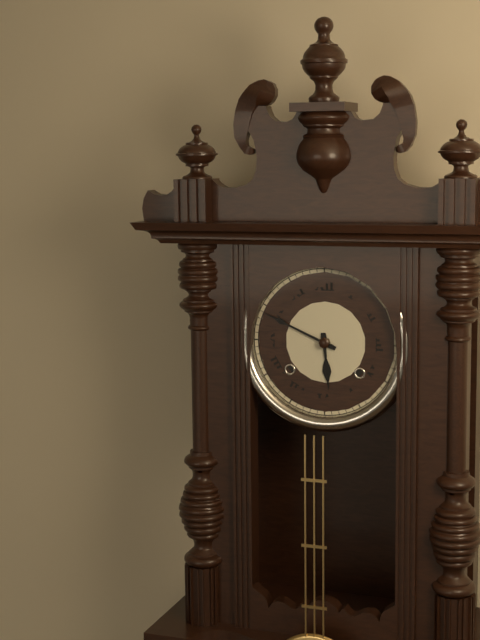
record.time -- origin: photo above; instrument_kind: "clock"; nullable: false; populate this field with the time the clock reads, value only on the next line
5:49
